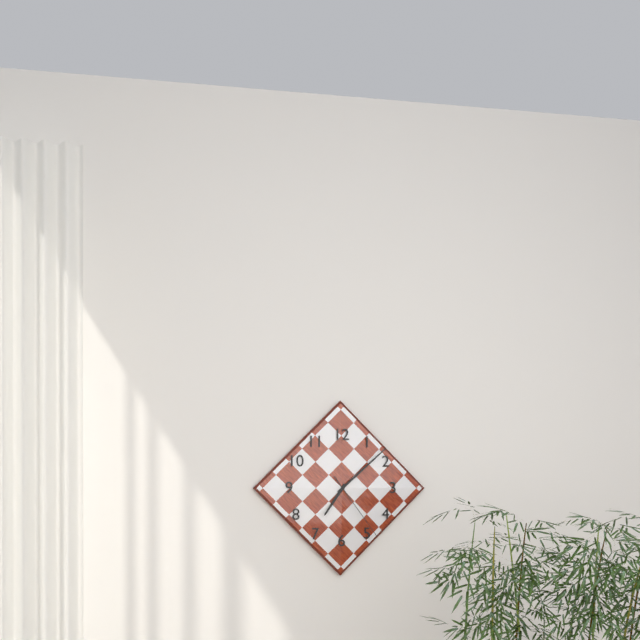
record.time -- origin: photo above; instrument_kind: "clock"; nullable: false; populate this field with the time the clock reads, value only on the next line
7:08:24
